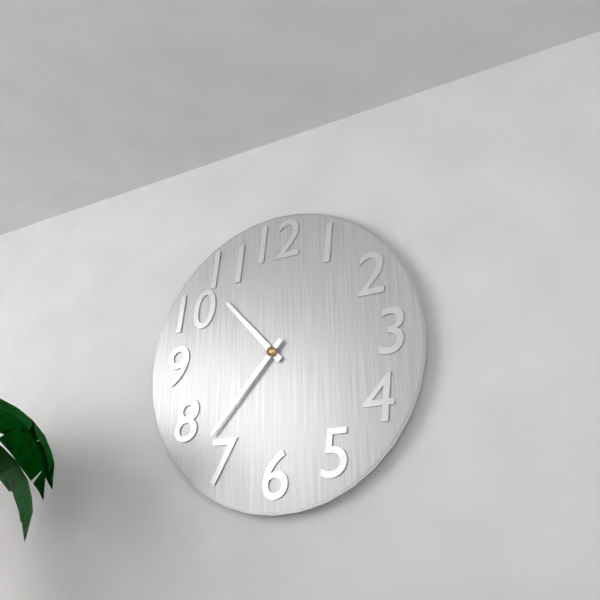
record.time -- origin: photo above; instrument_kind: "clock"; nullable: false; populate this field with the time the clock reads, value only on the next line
10:37
